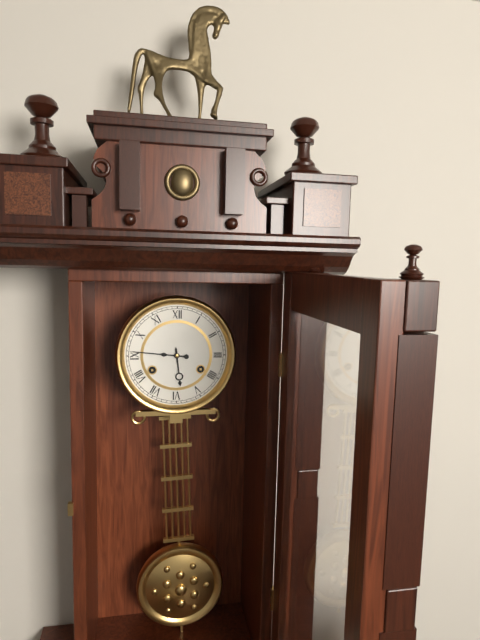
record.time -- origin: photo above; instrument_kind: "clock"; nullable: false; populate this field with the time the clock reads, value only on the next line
5:46
